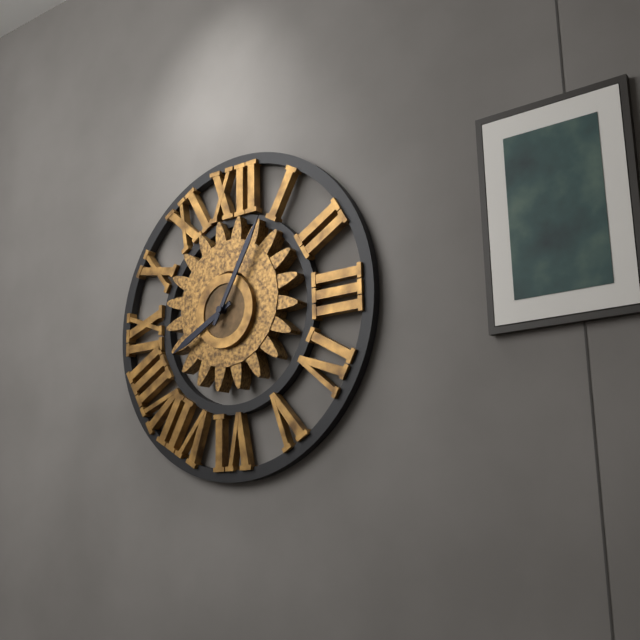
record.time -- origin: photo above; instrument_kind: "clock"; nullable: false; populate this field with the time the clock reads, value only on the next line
8:05
